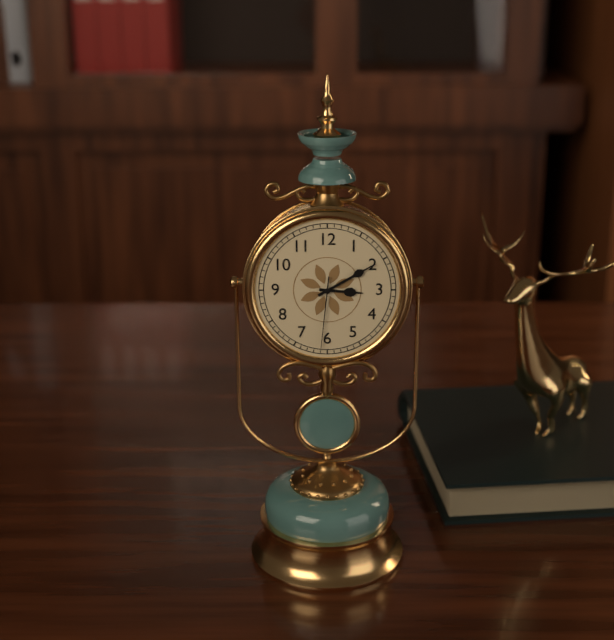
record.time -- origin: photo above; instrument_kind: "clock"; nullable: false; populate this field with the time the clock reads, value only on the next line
3:10:31
